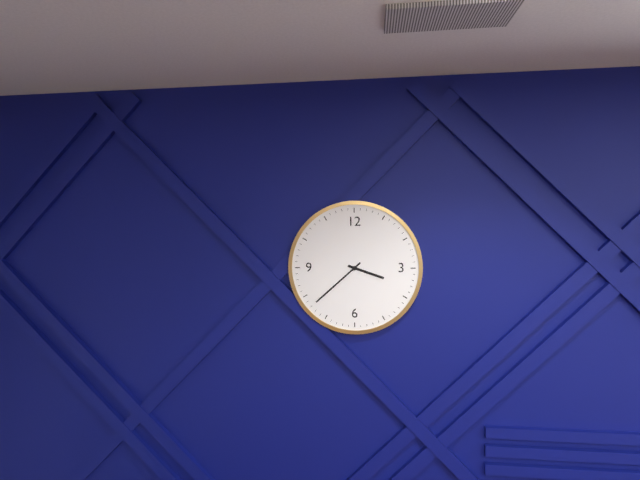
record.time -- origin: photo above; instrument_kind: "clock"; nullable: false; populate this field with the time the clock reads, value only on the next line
3:38
